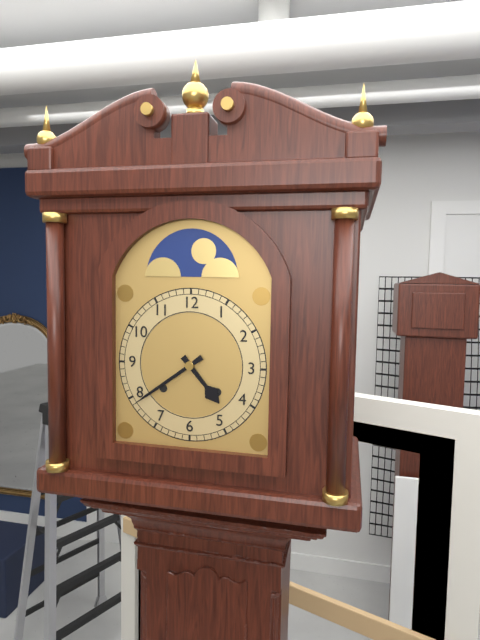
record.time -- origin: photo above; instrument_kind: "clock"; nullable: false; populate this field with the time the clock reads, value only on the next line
4:39
